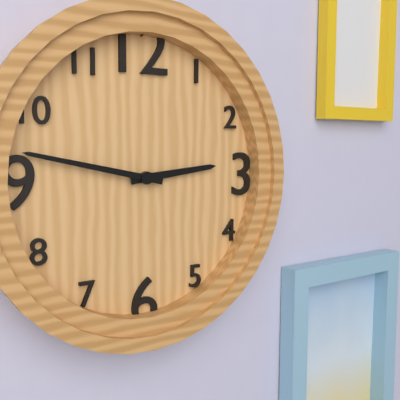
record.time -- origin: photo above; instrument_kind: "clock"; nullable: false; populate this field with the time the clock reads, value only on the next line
2:47
